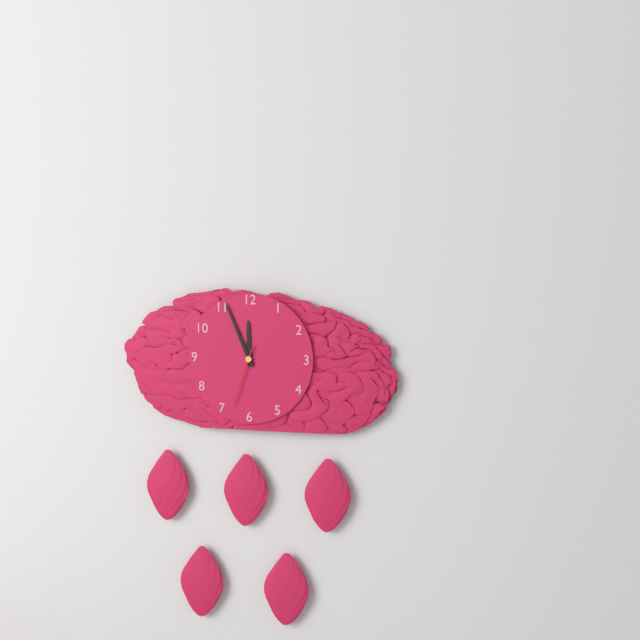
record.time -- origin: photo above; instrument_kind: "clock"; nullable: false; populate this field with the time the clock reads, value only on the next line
11:56:33
